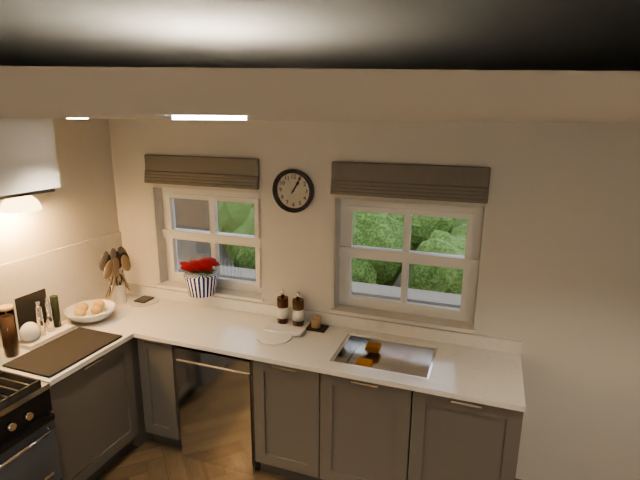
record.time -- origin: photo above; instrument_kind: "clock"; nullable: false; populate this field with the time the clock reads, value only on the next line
1:05
